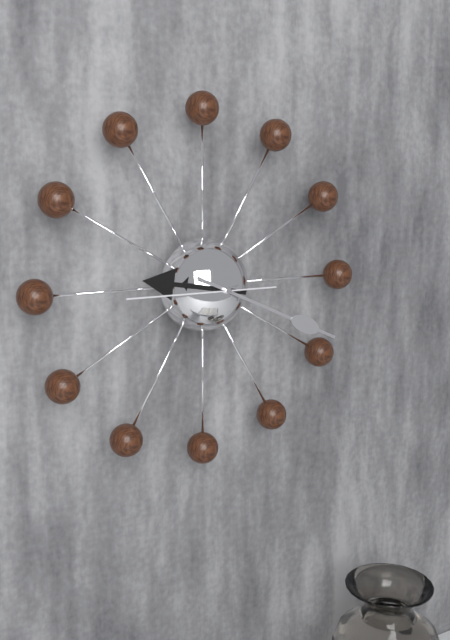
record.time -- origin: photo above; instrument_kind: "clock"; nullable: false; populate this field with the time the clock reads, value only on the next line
9:19:45
